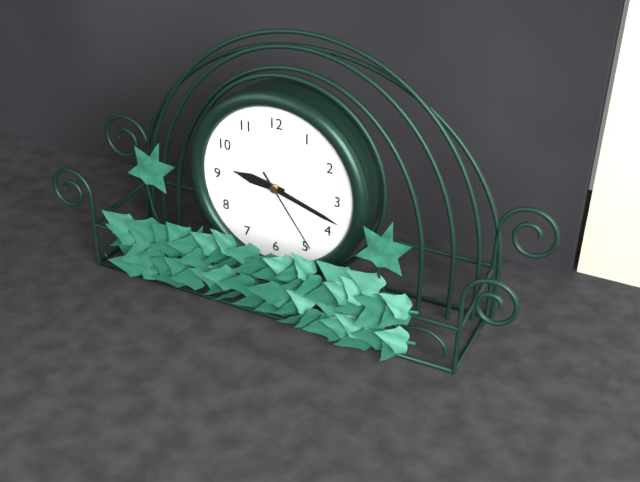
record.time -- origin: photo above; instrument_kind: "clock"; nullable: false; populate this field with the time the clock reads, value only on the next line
9:18:24
